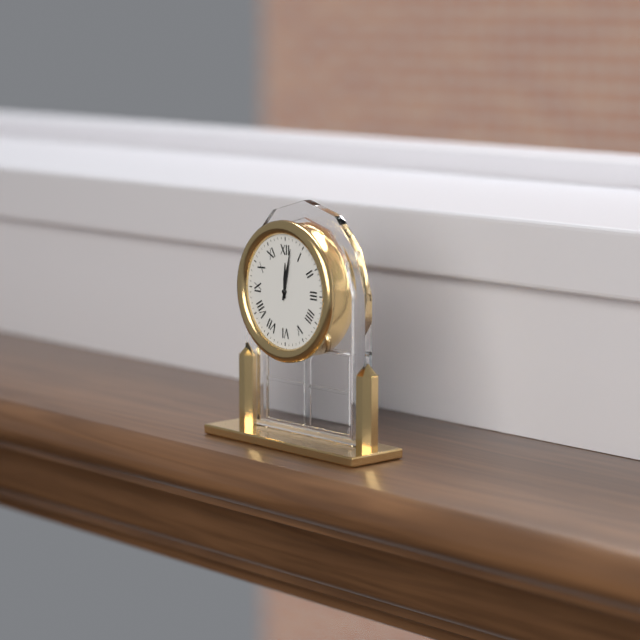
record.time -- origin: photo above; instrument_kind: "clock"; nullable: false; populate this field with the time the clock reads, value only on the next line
12:02
